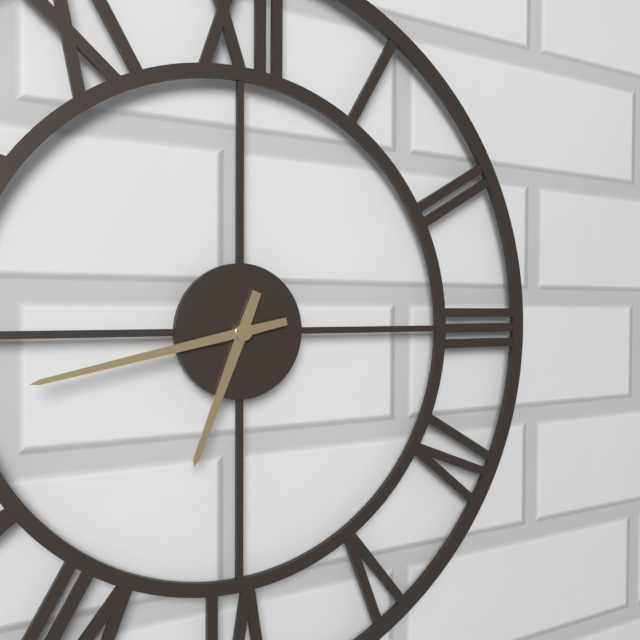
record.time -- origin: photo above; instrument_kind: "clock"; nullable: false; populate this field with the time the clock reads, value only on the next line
6:43
